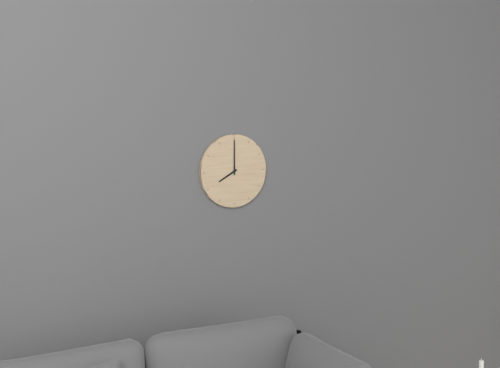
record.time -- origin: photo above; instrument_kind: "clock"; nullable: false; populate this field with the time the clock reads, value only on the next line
8:00
